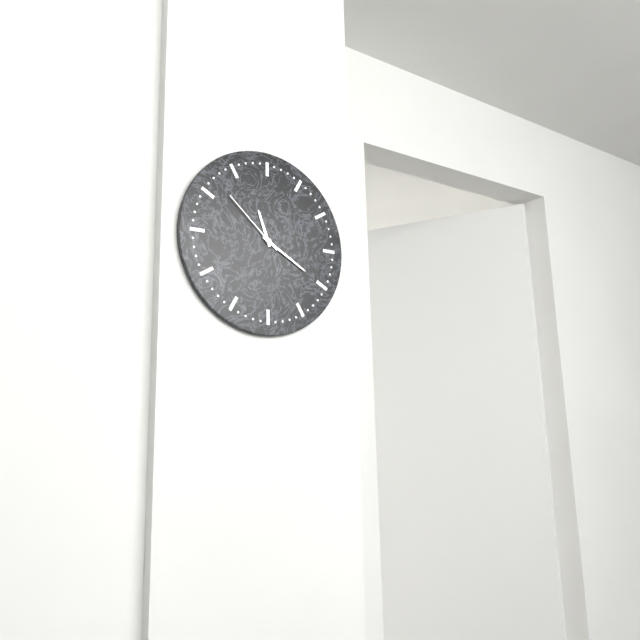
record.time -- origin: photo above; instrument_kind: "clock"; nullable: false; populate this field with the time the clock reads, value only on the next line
11:20:52
